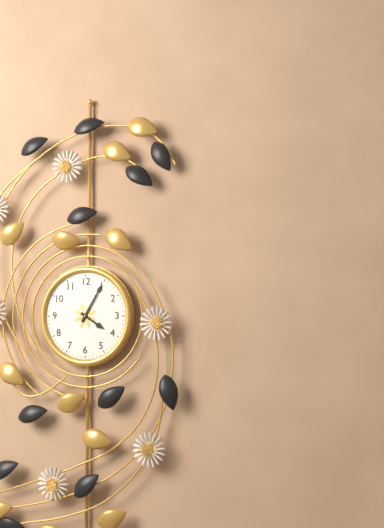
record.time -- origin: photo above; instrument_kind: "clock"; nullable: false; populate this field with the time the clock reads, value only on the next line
4:05
